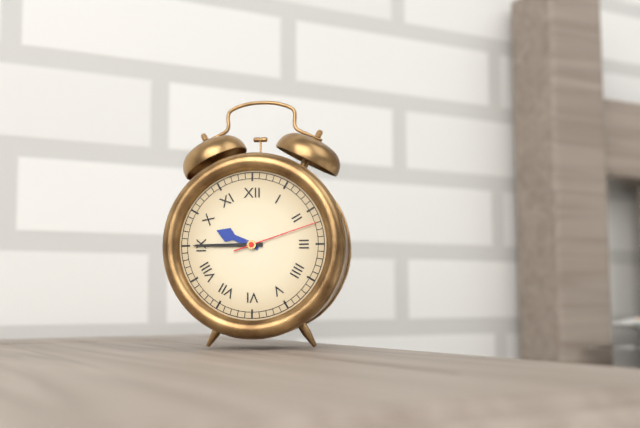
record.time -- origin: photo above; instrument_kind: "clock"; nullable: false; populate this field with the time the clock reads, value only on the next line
9:45:12
